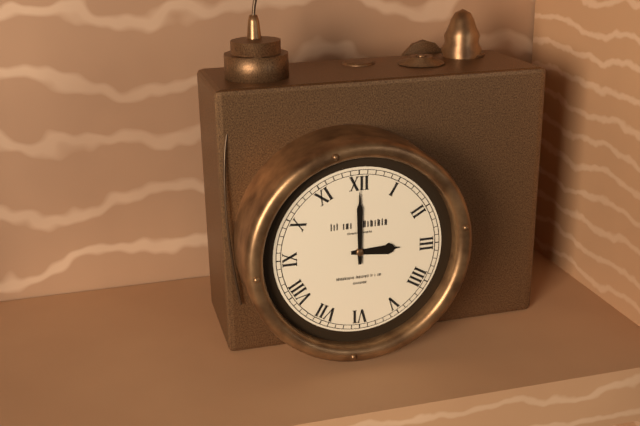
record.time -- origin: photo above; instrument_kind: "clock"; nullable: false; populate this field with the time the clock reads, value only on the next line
3:00
